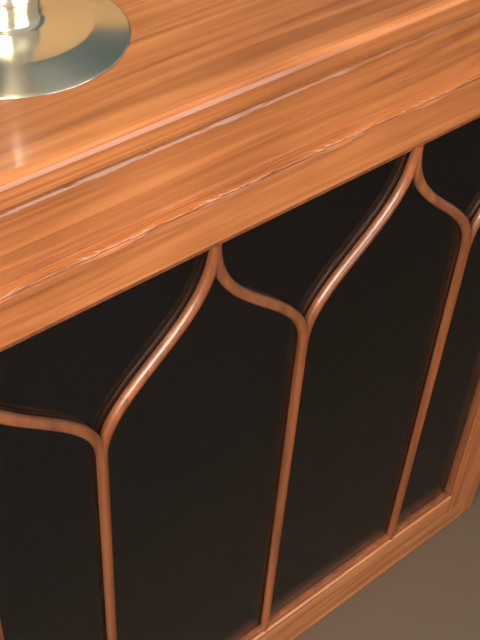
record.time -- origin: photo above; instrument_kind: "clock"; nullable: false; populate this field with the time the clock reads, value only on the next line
1:40
